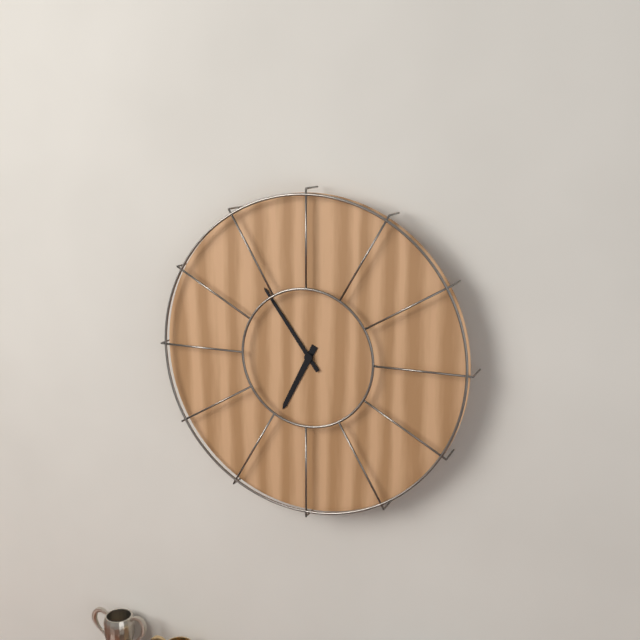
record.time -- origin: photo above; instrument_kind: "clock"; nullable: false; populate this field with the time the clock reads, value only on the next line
6:54
